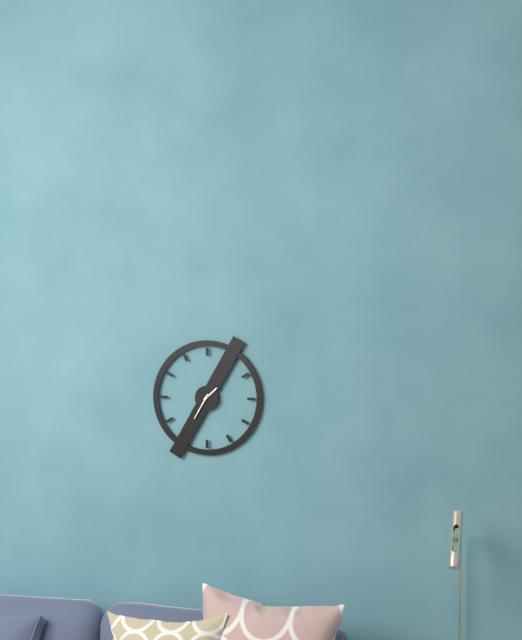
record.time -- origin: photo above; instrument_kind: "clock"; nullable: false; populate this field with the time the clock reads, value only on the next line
1:35
